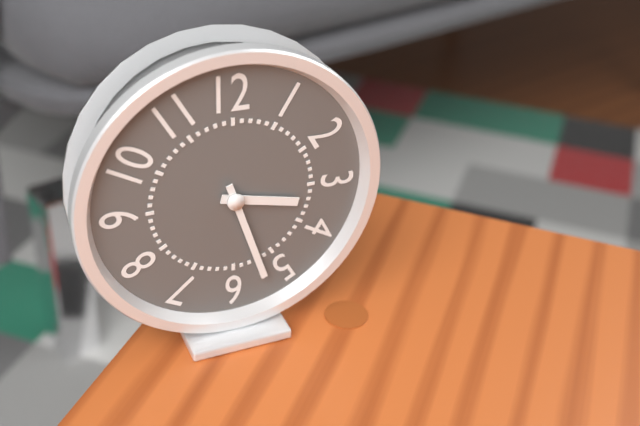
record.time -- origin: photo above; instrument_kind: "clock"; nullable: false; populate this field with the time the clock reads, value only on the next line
3:27
